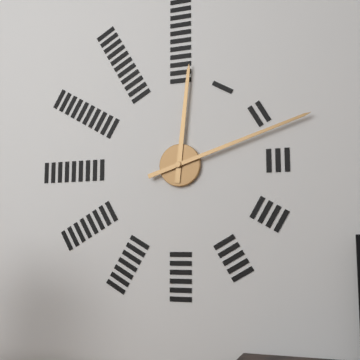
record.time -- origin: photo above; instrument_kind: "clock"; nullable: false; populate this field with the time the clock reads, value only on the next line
12:12
